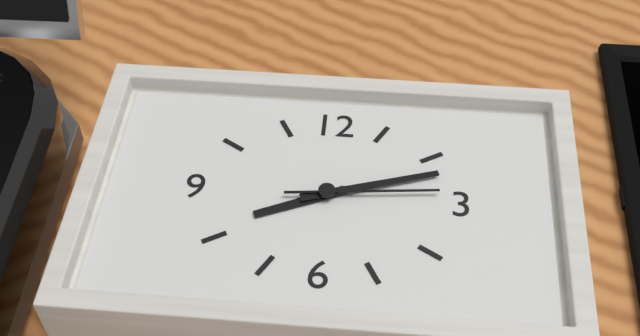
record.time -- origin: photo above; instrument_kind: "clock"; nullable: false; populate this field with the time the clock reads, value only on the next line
8:12:14
